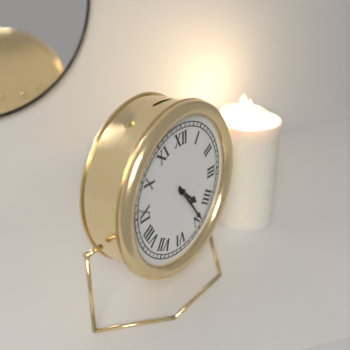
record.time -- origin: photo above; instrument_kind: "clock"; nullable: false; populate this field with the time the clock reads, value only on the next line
4:24
